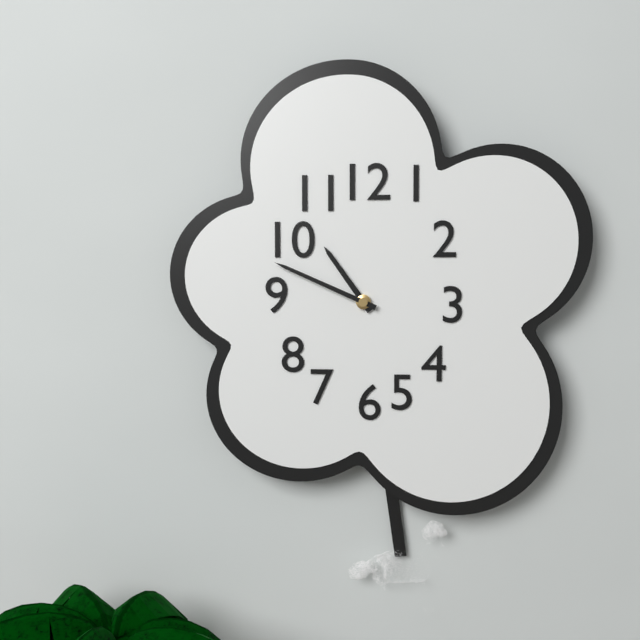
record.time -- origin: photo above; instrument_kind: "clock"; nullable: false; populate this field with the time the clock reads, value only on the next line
10:49
